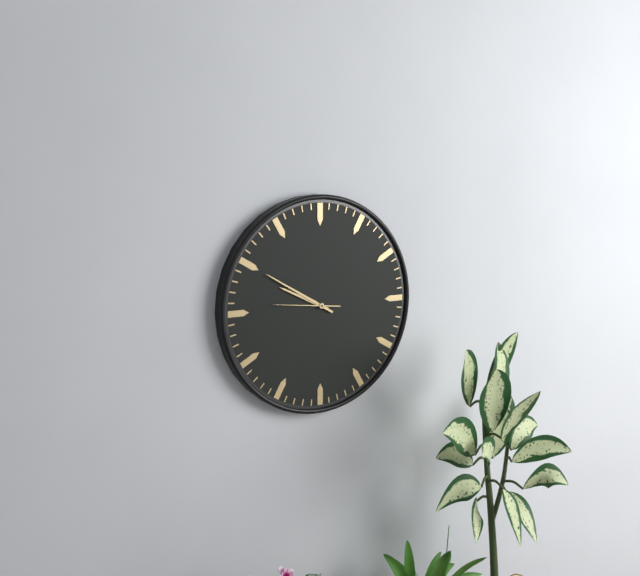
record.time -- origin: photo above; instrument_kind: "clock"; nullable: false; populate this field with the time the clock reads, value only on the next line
9:50:46
